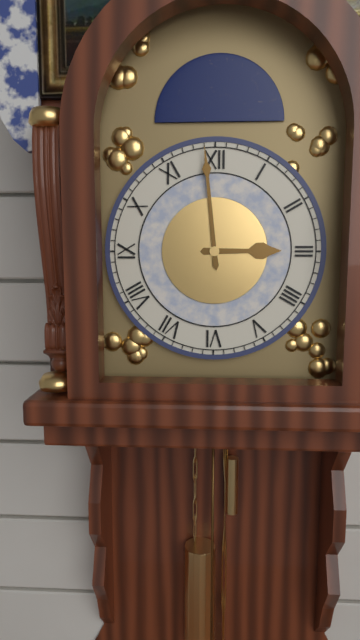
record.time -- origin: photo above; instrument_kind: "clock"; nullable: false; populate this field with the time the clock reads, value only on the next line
2:59
